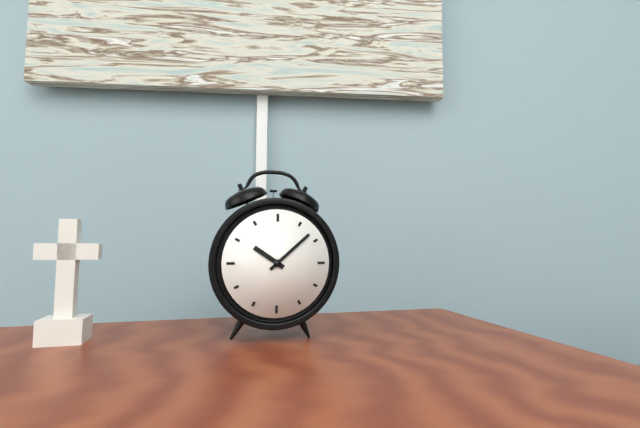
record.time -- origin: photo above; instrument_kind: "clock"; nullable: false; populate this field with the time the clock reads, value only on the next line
10:08
